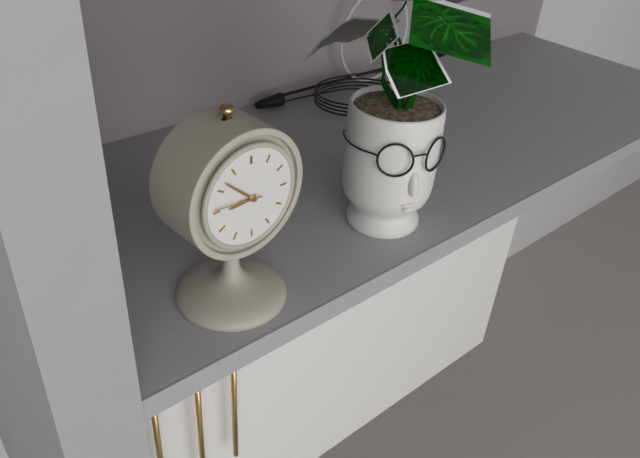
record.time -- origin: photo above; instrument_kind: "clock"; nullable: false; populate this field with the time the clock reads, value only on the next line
8:52
